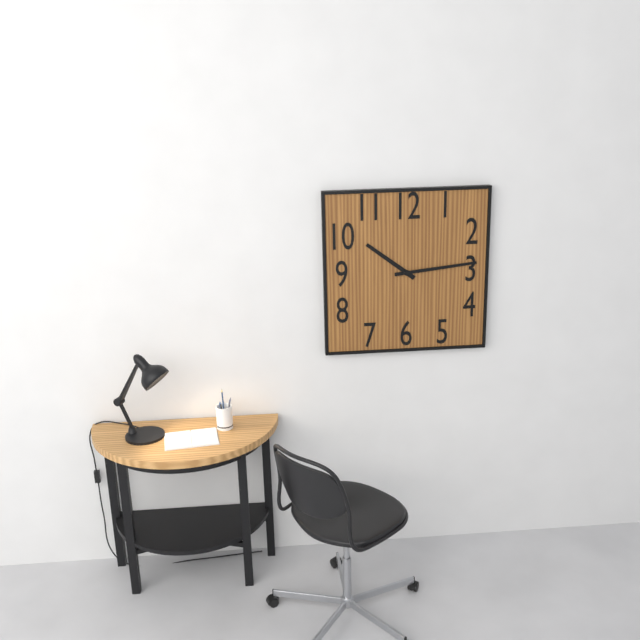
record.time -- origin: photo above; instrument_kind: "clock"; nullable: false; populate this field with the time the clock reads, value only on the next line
10:14
